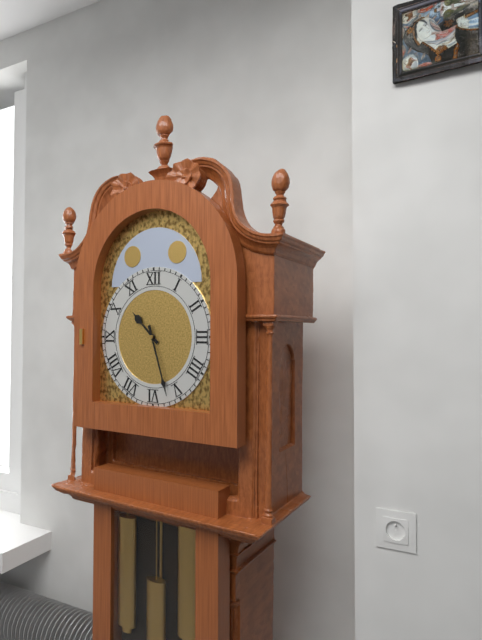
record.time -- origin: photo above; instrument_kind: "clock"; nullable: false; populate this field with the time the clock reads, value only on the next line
10:27
